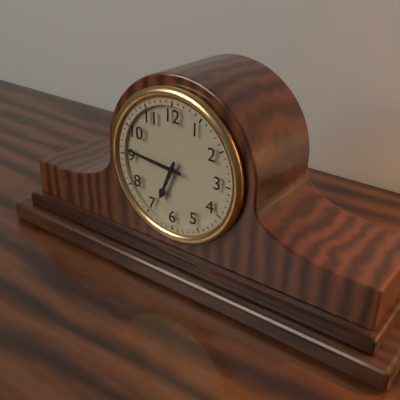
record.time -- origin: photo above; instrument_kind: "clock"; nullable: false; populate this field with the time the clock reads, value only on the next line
6:46
